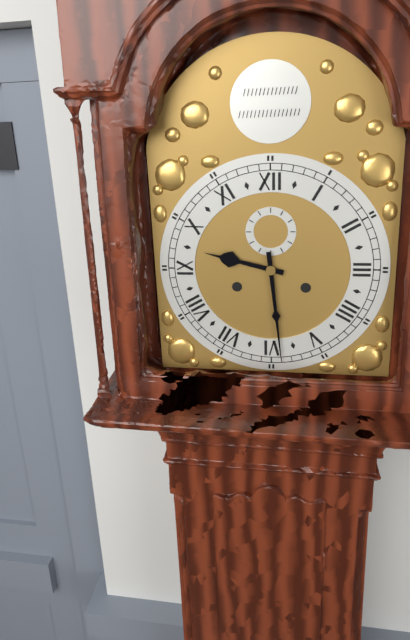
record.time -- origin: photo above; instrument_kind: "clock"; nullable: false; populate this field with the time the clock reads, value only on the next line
9:29
